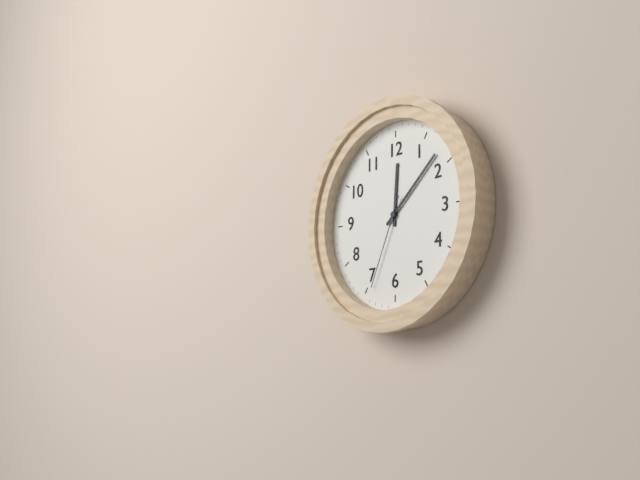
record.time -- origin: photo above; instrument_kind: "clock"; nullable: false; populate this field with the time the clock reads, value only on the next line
12:08:34
